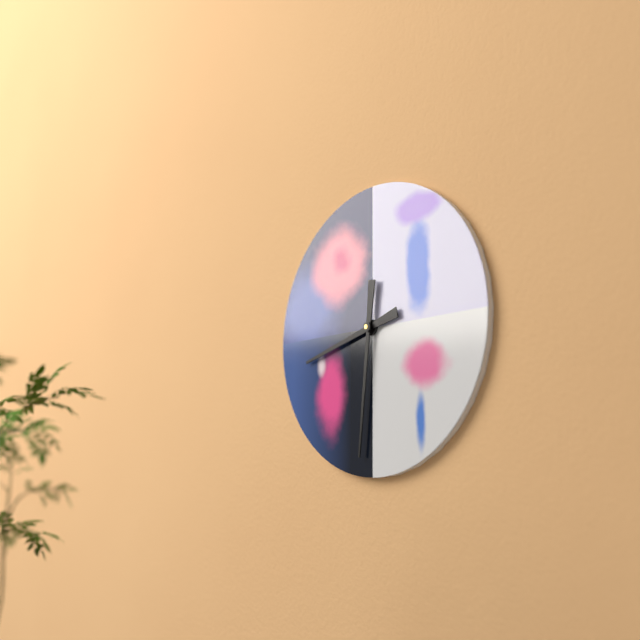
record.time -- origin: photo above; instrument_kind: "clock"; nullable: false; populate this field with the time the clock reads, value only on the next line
8:31
